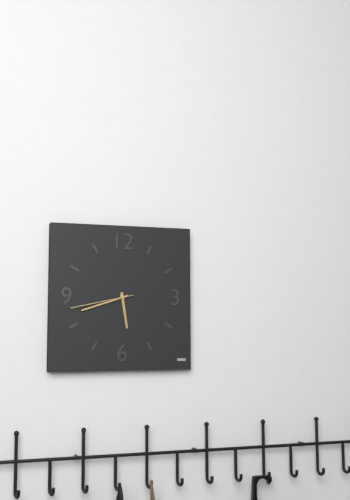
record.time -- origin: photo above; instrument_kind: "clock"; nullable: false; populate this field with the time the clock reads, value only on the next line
5:42:43
